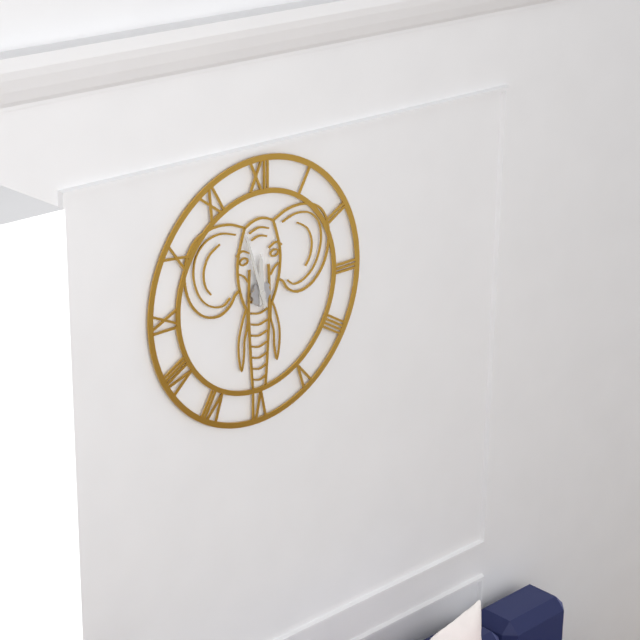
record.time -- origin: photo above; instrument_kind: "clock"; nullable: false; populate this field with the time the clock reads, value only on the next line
11:57
